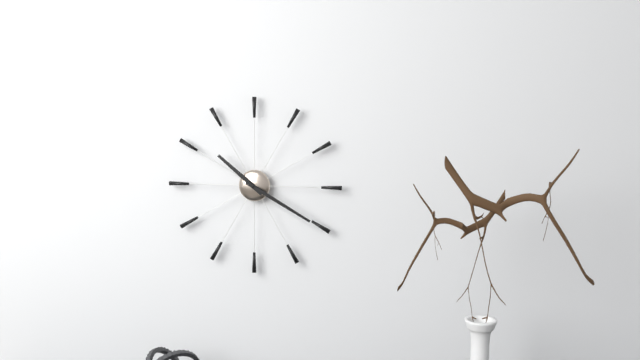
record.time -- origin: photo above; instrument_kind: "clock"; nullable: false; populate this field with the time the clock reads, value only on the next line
10:20
